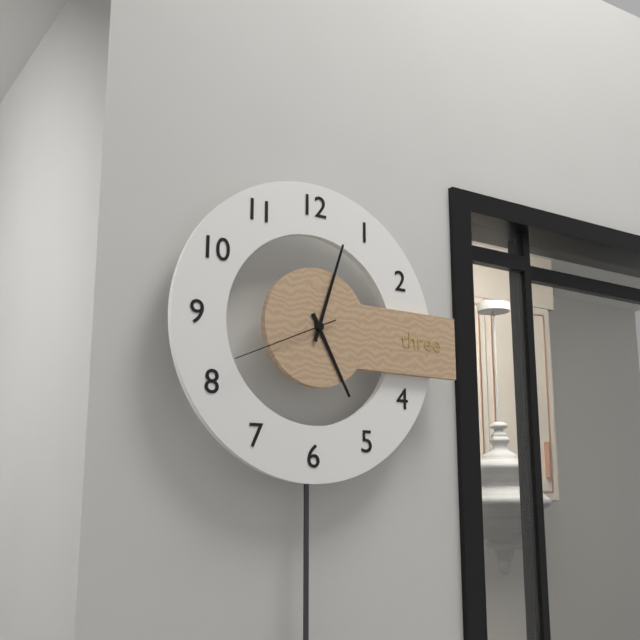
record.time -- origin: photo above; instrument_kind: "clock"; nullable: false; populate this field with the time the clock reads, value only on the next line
5:03:41
